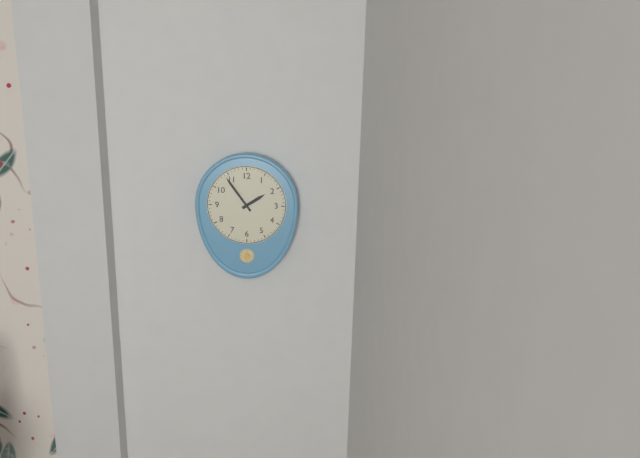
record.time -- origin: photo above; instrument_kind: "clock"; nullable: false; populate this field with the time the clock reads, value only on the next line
1:54
